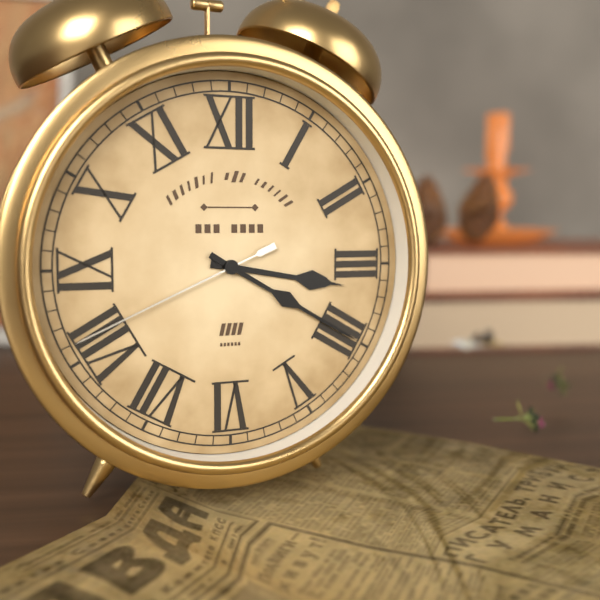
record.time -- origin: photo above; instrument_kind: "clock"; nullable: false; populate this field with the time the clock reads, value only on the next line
3:20:41
